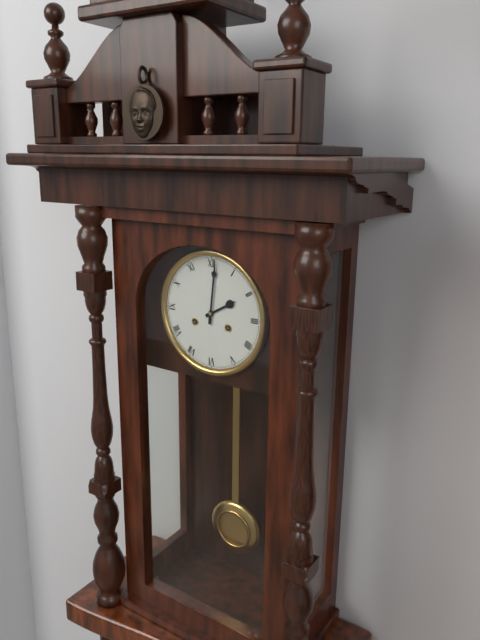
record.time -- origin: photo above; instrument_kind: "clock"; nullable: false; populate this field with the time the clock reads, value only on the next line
2:01
